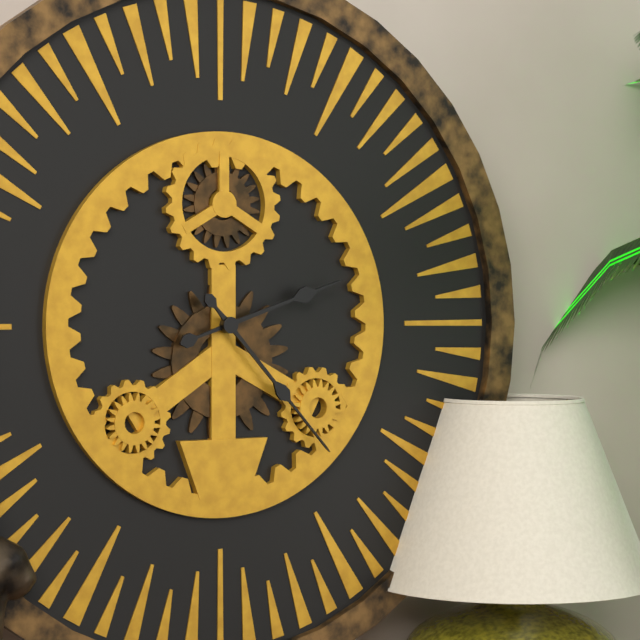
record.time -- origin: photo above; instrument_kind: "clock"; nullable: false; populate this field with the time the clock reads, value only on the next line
2:23
